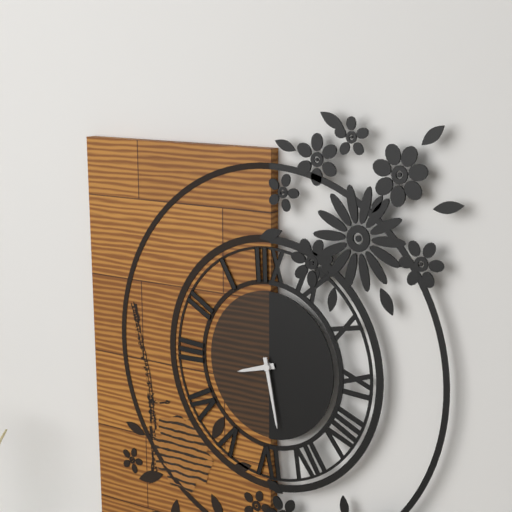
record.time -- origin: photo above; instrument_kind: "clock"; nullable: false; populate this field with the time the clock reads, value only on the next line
8:28
